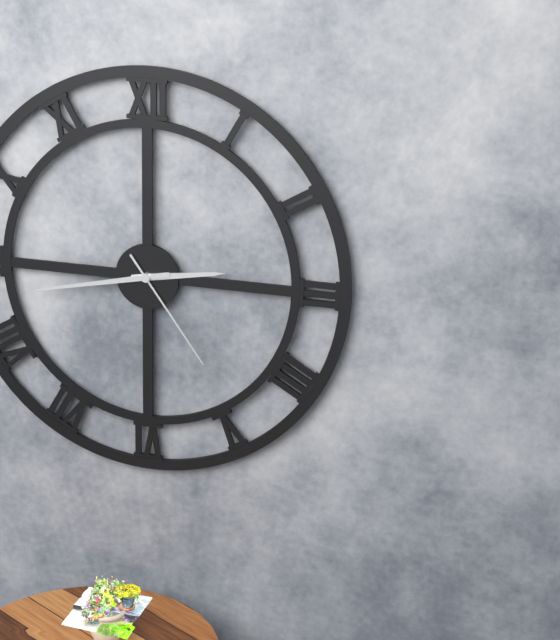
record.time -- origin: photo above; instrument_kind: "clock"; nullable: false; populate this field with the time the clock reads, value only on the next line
2:43:24
